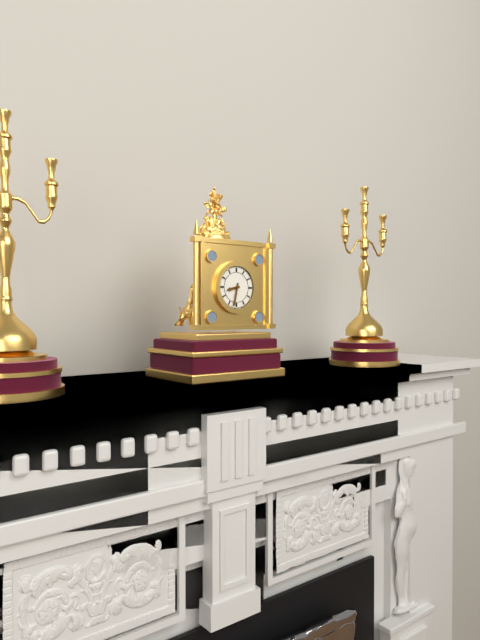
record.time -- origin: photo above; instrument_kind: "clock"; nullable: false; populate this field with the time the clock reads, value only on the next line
8:32
